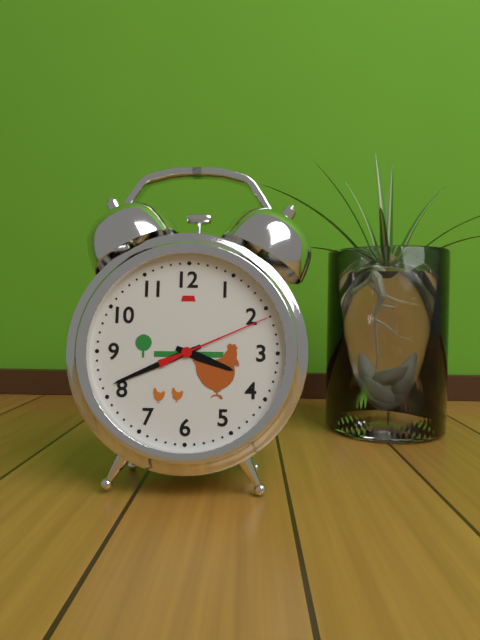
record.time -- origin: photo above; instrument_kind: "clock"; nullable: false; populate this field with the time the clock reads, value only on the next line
3:41:11
